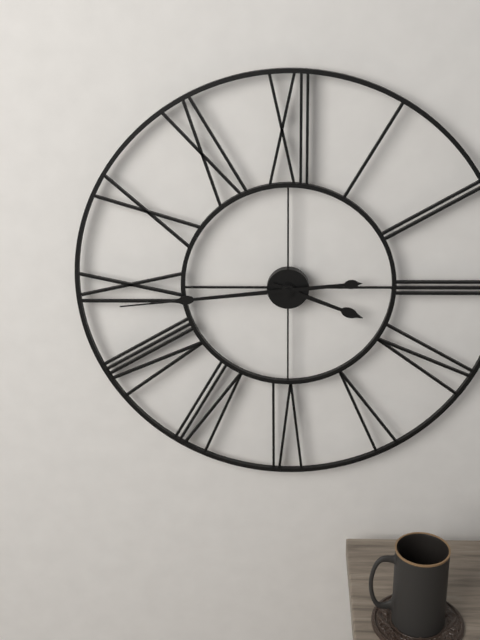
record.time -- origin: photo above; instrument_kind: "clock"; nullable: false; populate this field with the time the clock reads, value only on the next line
3:44
